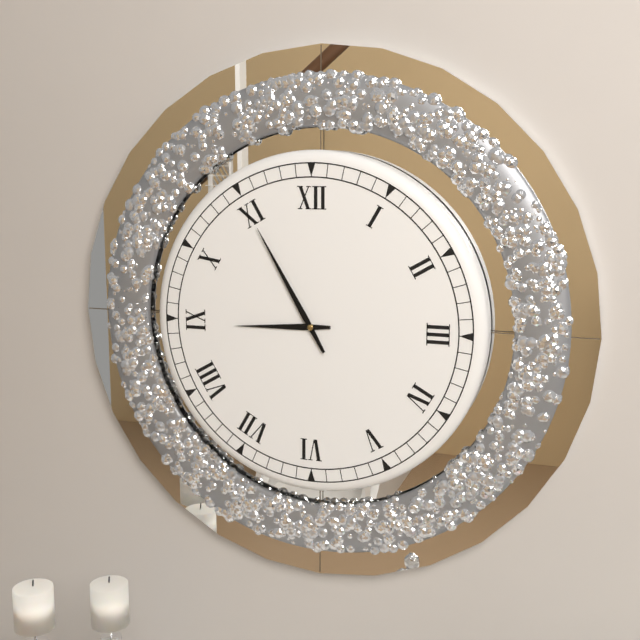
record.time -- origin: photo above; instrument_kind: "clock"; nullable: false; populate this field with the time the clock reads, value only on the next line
8:55
